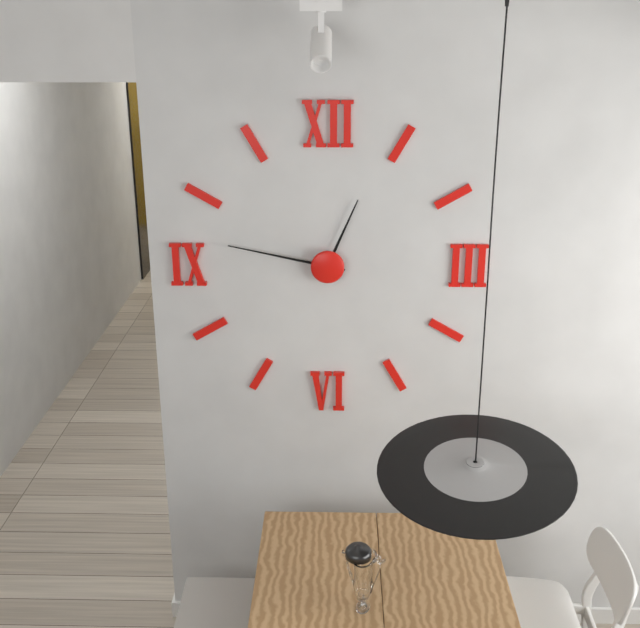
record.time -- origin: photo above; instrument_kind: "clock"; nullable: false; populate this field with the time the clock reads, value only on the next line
12:47
